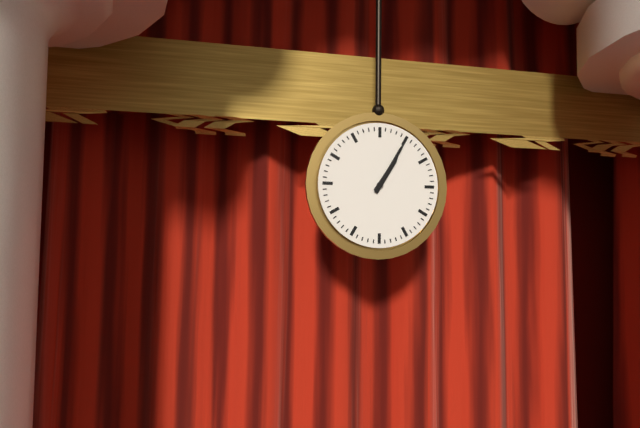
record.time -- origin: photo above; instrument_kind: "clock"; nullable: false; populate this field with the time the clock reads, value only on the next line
1:05
